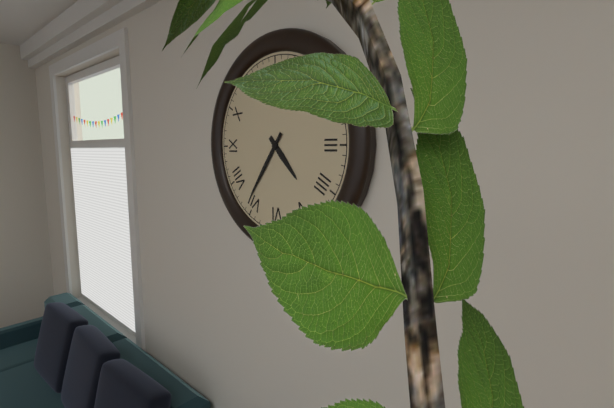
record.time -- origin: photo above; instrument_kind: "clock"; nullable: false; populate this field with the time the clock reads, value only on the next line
4:36
